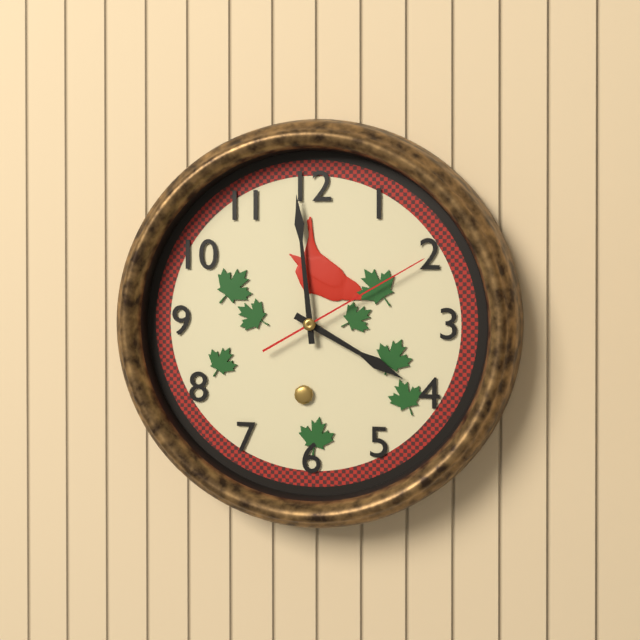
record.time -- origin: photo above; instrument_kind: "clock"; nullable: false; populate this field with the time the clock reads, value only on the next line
3:59:10
